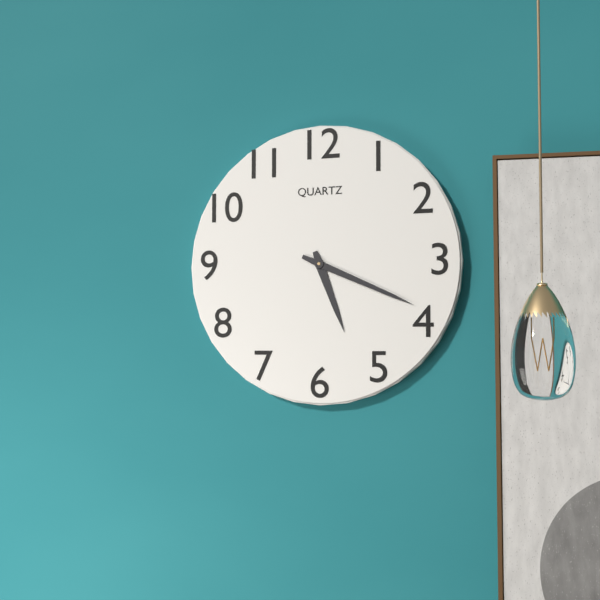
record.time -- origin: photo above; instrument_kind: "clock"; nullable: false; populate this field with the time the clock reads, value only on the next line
5:19
